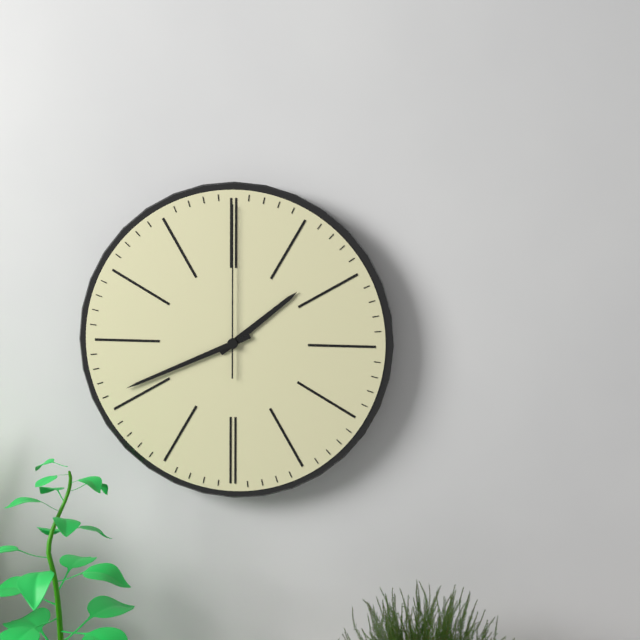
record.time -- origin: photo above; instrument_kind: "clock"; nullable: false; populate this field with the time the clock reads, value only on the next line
1:41:00
